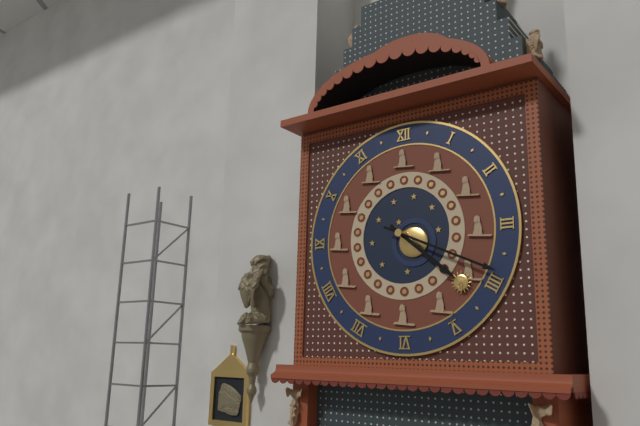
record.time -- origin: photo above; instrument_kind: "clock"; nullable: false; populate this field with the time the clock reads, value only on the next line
4:19
